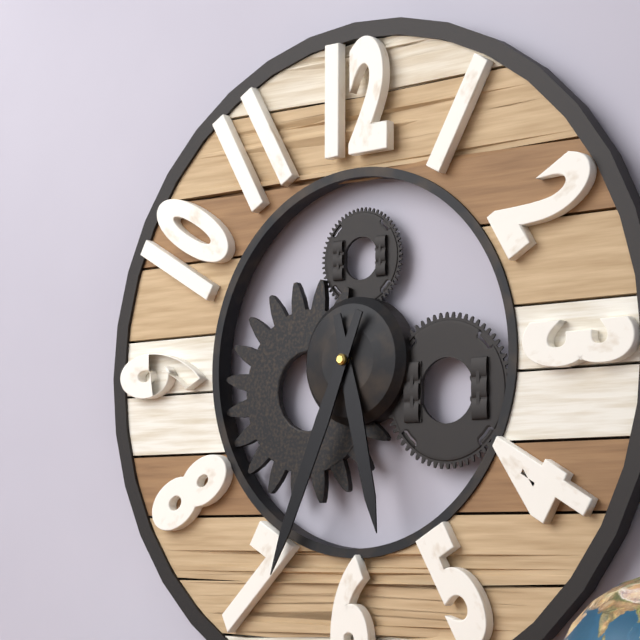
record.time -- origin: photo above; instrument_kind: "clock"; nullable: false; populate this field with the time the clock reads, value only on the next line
5:34
